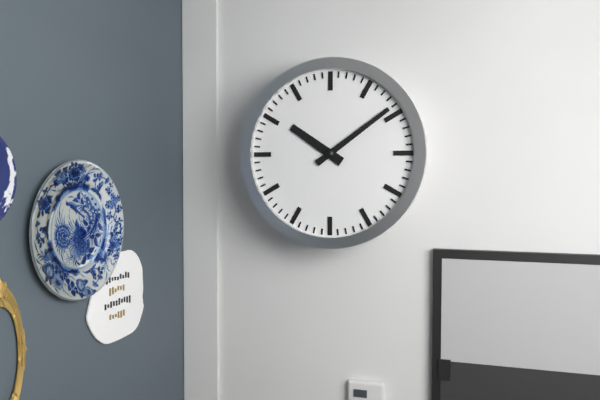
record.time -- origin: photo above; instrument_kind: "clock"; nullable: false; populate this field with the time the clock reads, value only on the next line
10:09
